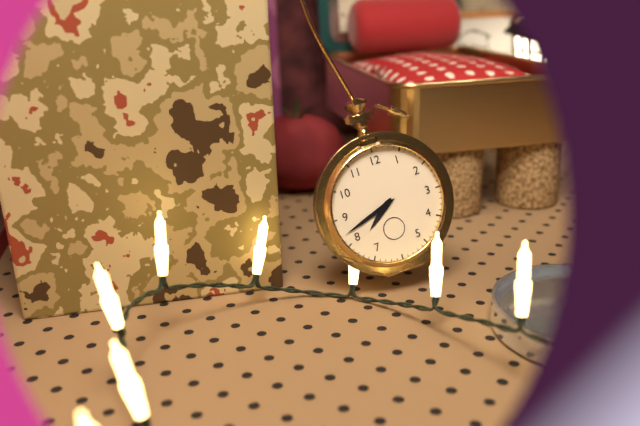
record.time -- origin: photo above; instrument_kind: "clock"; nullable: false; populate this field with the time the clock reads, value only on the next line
7:42
